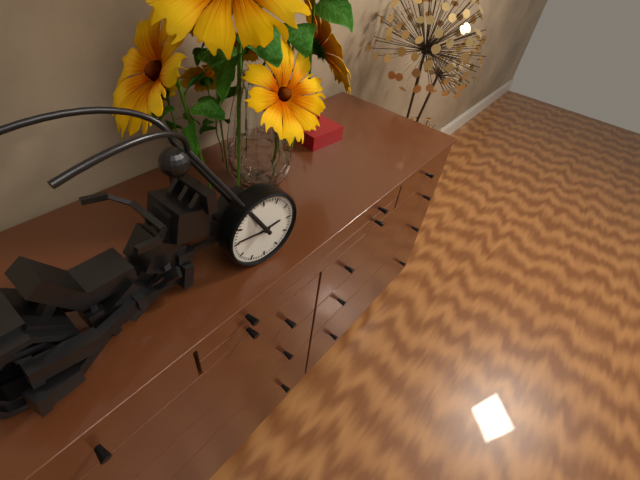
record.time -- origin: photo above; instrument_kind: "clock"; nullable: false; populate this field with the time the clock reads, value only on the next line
2:46
